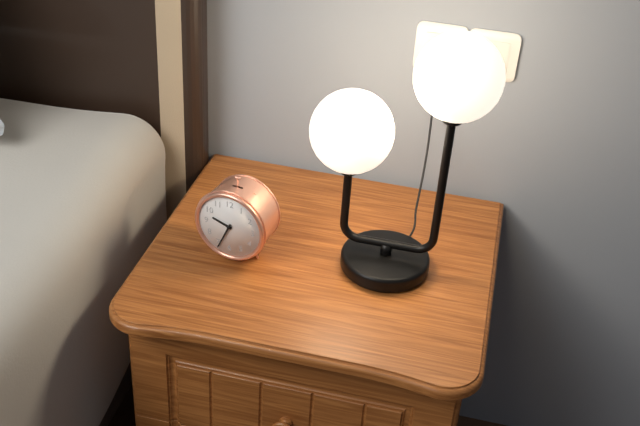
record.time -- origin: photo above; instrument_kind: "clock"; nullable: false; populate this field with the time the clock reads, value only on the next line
9:34
